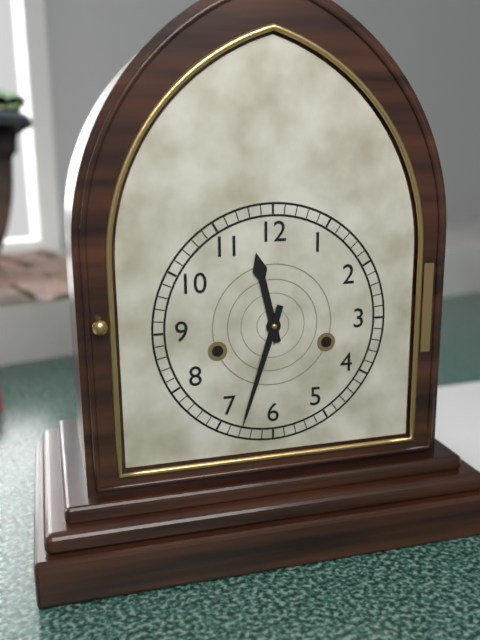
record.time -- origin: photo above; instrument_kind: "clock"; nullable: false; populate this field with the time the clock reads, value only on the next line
11:33
